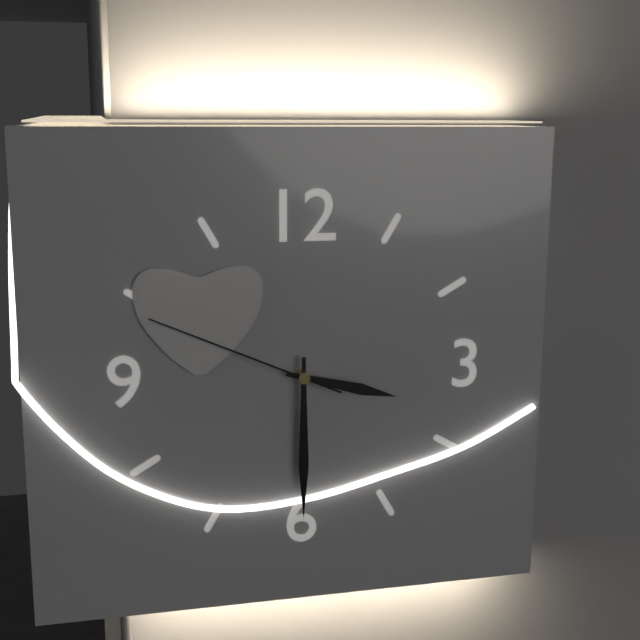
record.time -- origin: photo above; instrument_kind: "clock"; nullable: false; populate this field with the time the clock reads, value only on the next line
3:30:49
